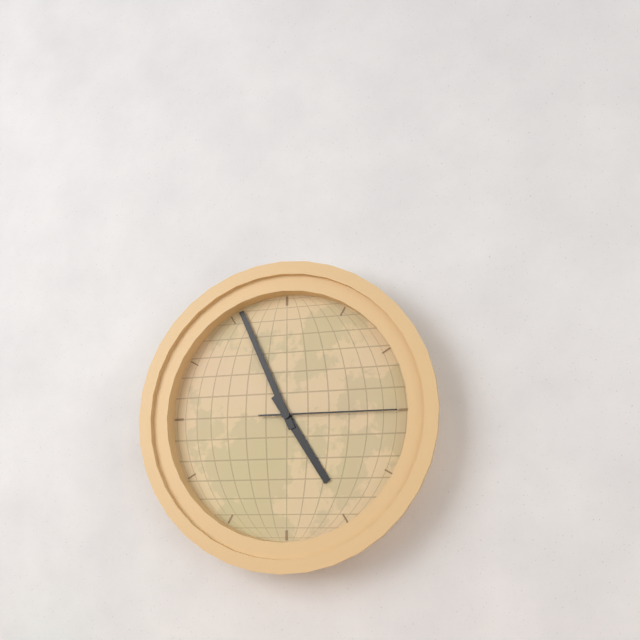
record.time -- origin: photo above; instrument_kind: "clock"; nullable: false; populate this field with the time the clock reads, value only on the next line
4:56:15
